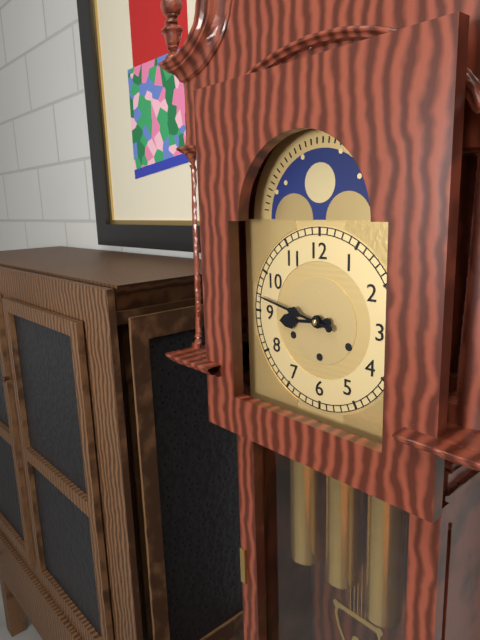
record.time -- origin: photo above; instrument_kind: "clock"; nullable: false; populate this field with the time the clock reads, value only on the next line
8:47
